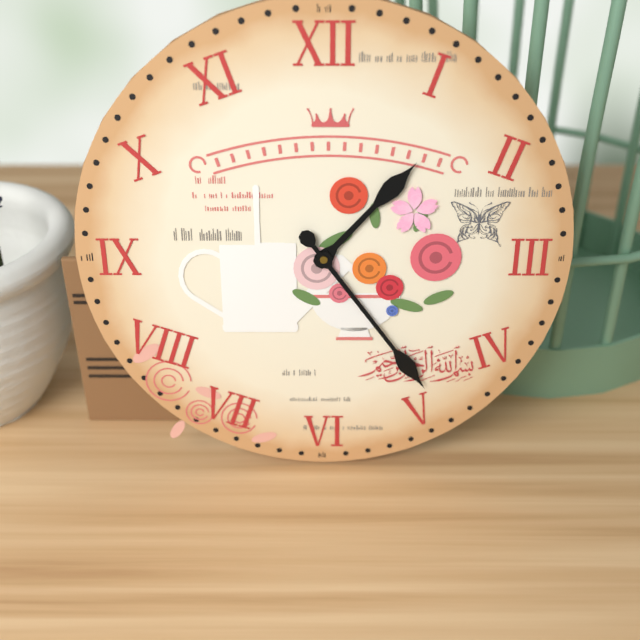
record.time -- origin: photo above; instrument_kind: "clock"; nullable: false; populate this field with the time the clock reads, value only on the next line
1:24
